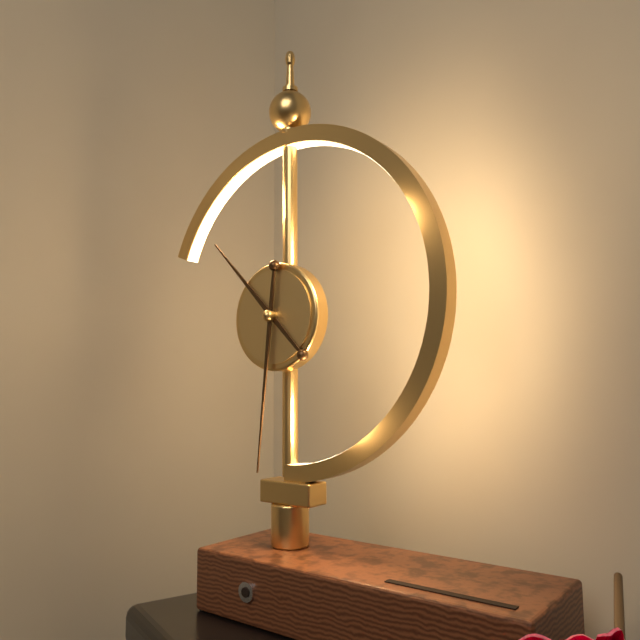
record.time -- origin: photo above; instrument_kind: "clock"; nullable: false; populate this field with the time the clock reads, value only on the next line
10:31
